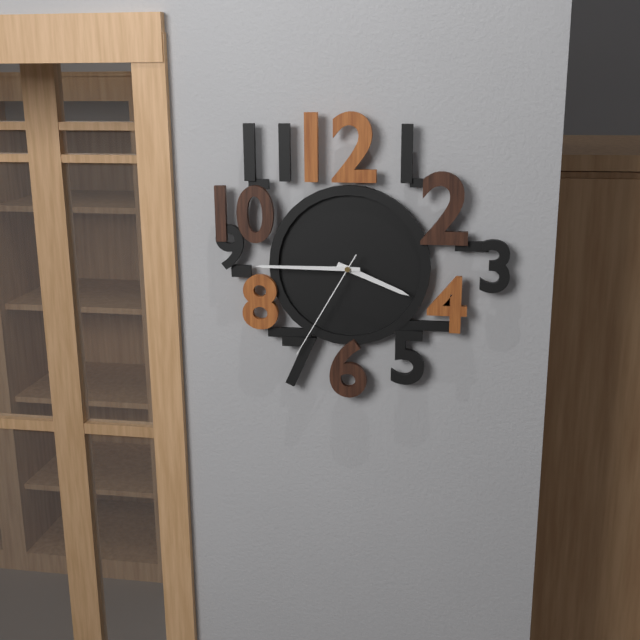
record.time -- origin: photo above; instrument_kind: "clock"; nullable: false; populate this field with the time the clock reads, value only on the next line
3:45:35
